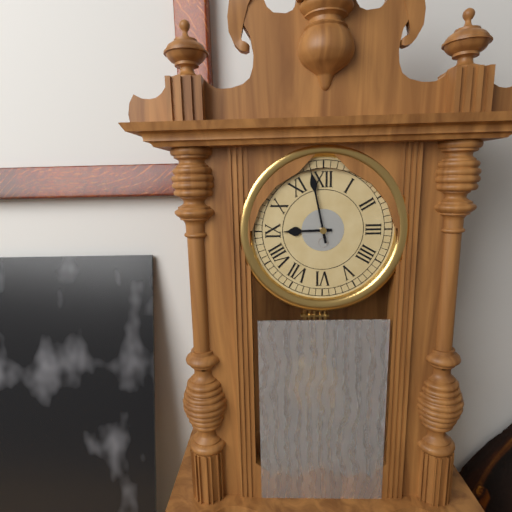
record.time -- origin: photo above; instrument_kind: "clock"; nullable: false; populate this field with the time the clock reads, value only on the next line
8:58
